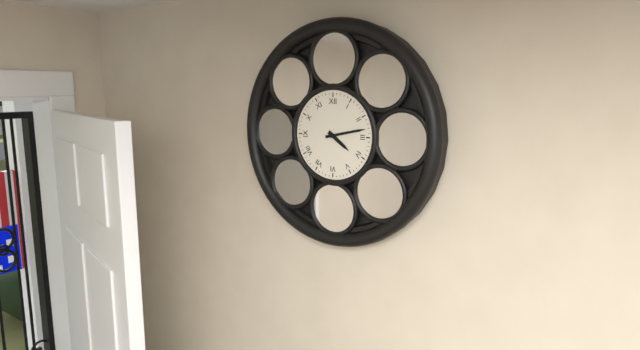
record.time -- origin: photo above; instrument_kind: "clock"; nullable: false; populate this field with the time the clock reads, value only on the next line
4:13
